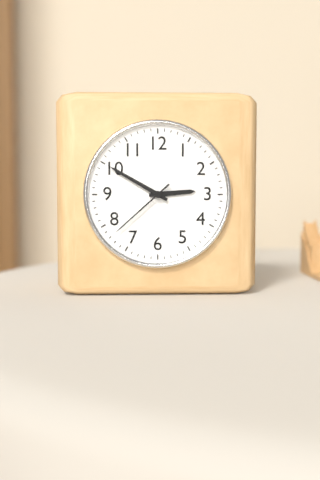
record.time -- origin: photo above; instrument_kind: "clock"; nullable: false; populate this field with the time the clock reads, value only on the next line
2:50:38
